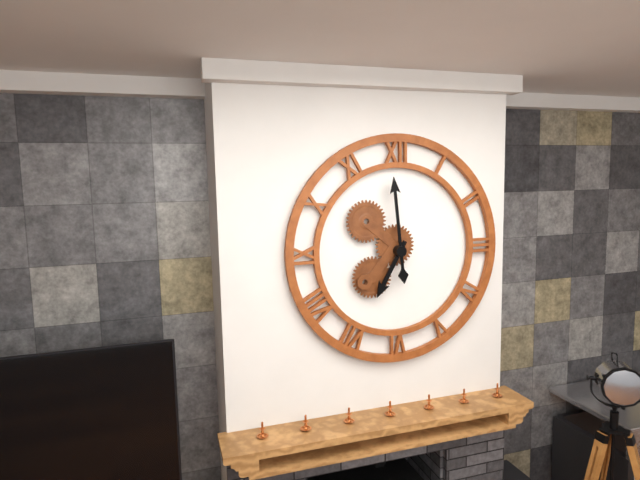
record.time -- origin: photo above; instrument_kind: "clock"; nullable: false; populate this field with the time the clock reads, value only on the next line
6:59
